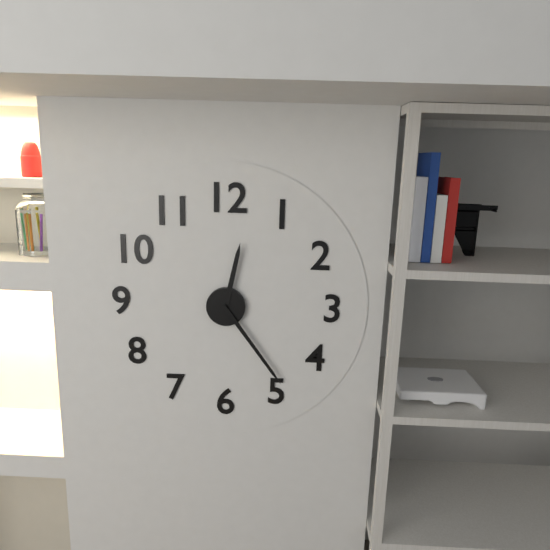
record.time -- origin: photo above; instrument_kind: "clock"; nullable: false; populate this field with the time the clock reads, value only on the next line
12:24
